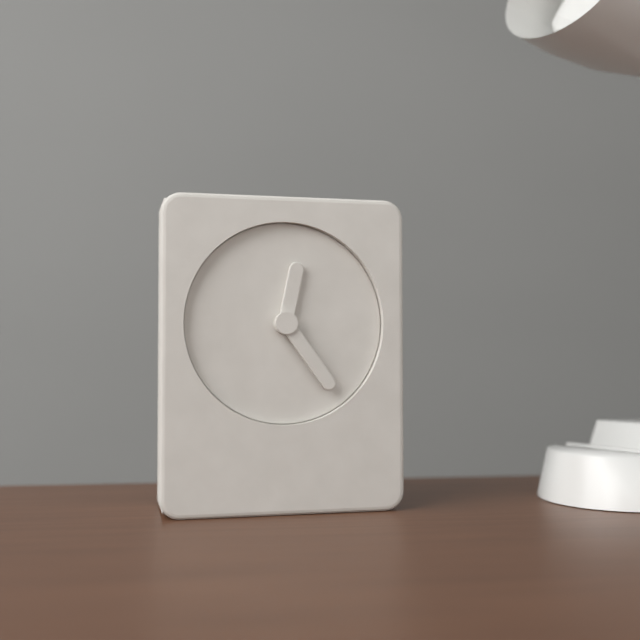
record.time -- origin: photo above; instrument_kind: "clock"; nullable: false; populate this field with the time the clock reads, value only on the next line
12:24
